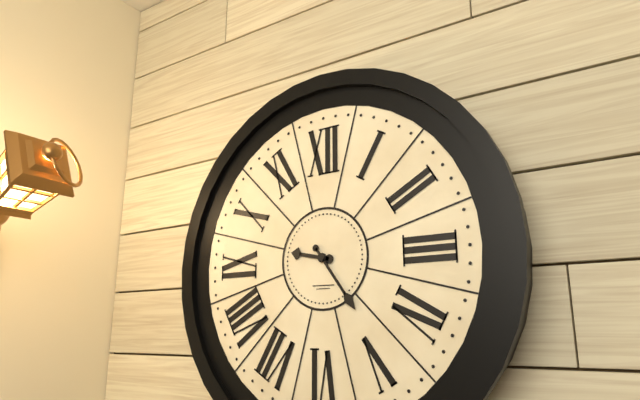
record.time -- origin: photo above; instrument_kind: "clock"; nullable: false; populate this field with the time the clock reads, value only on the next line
9:24
